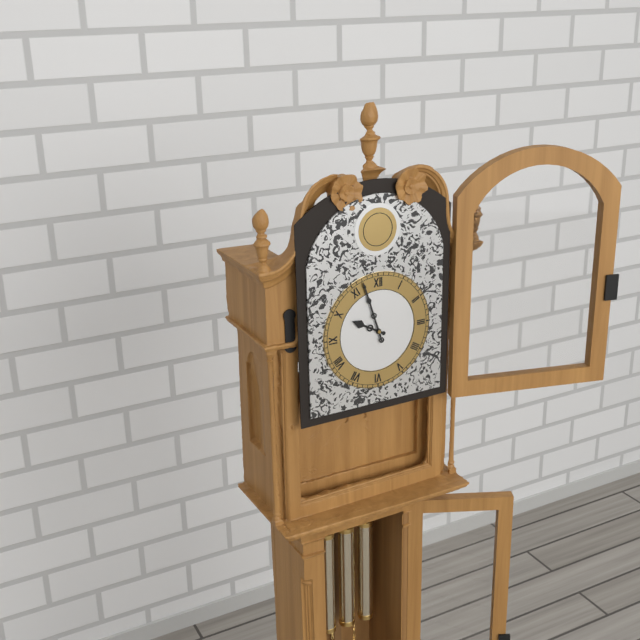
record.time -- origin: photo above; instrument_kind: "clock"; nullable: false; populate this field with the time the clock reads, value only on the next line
9:57
